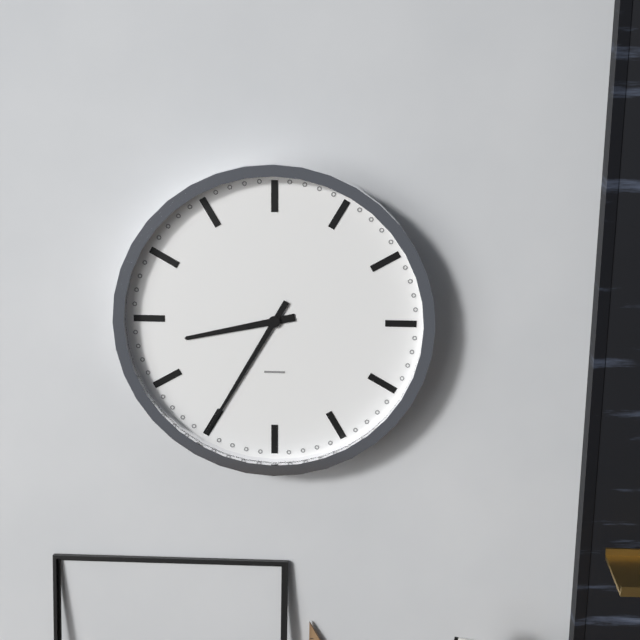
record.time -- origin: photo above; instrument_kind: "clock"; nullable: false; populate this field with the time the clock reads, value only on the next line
8:35
